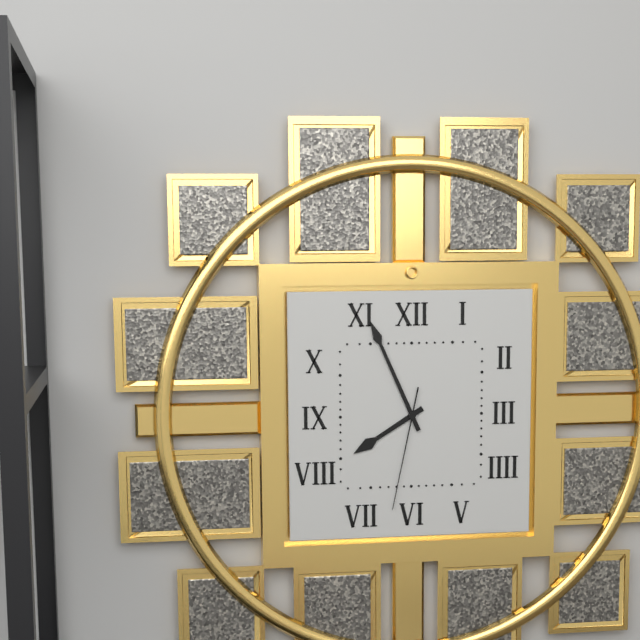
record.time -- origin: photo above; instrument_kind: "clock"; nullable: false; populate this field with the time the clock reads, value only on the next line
7:56:32
